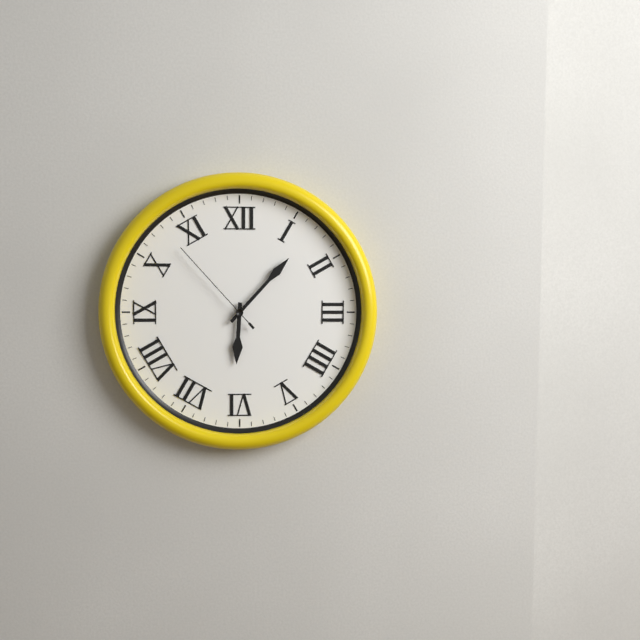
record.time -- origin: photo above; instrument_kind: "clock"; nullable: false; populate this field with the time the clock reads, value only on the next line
6:07:53
